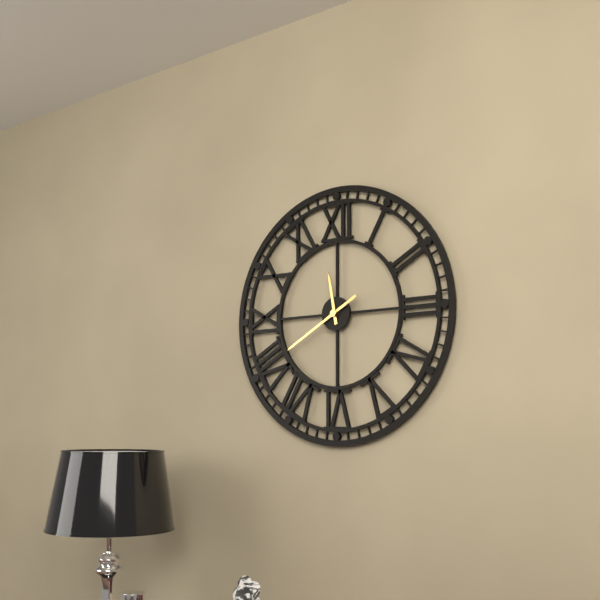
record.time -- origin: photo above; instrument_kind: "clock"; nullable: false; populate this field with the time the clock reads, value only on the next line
11:40
